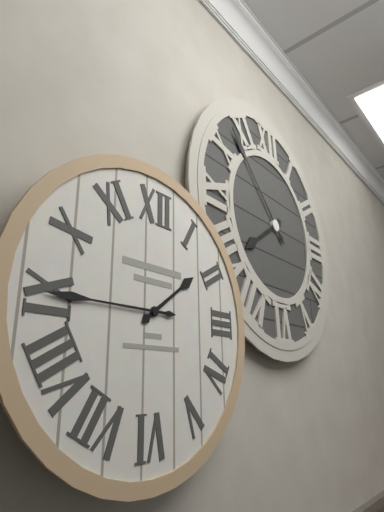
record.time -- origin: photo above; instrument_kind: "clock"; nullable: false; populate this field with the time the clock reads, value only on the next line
1:45
